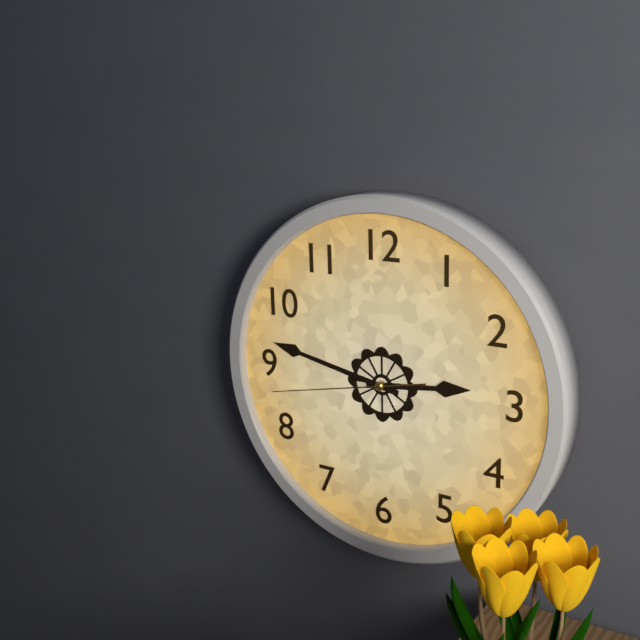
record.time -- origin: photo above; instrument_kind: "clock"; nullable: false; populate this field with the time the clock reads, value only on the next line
2:47:43
